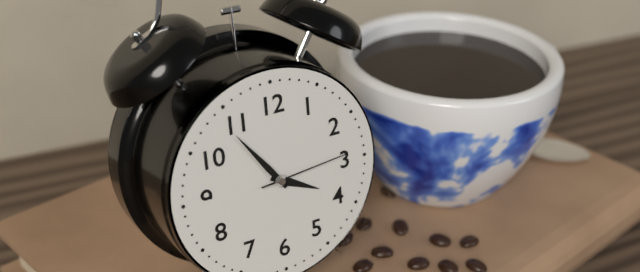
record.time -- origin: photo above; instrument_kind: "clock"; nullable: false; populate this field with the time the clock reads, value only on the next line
3:54:14
